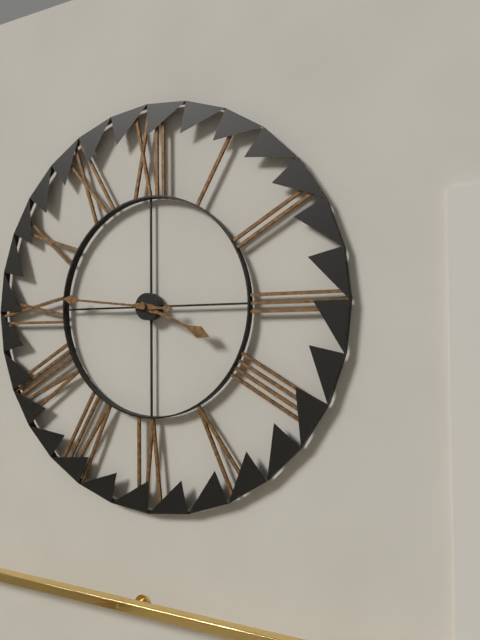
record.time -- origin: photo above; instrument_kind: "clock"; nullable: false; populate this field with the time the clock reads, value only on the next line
3:46
